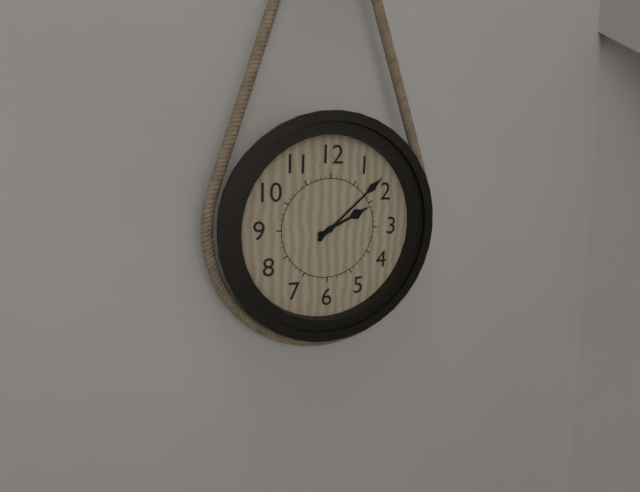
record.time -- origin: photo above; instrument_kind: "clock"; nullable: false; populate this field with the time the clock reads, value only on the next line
2:08
